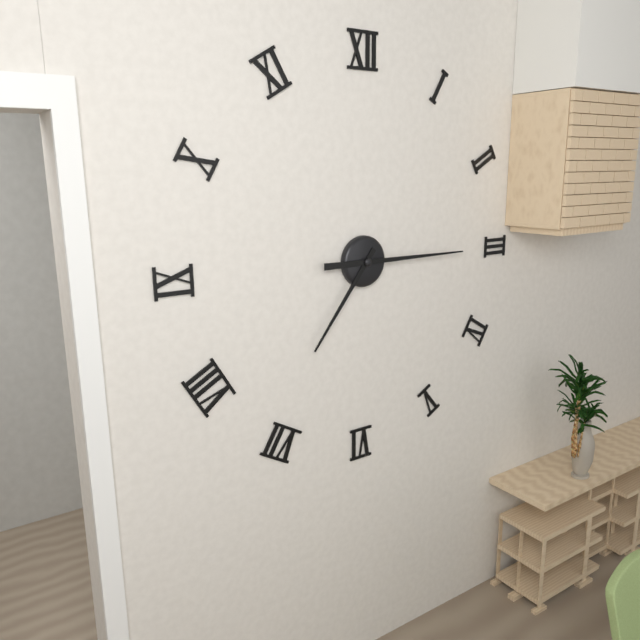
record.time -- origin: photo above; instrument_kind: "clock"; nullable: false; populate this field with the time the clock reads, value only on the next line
7:15
